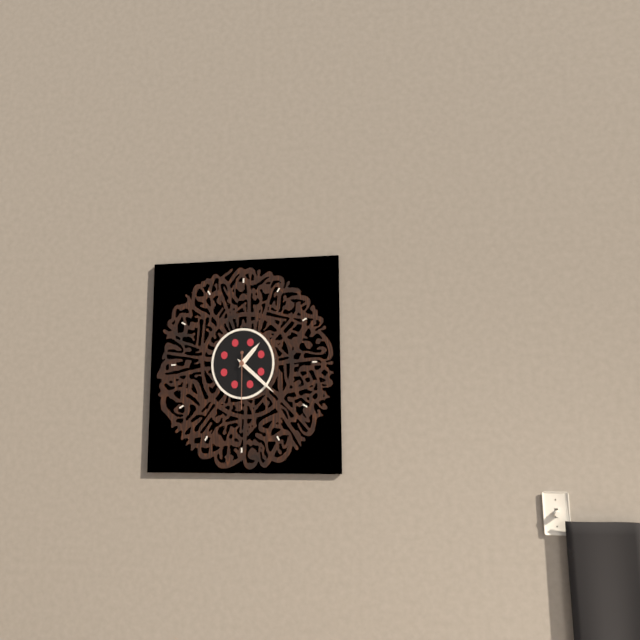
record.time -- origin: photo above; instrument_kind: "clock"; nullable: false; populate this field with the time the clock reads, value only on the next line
1:22:30
